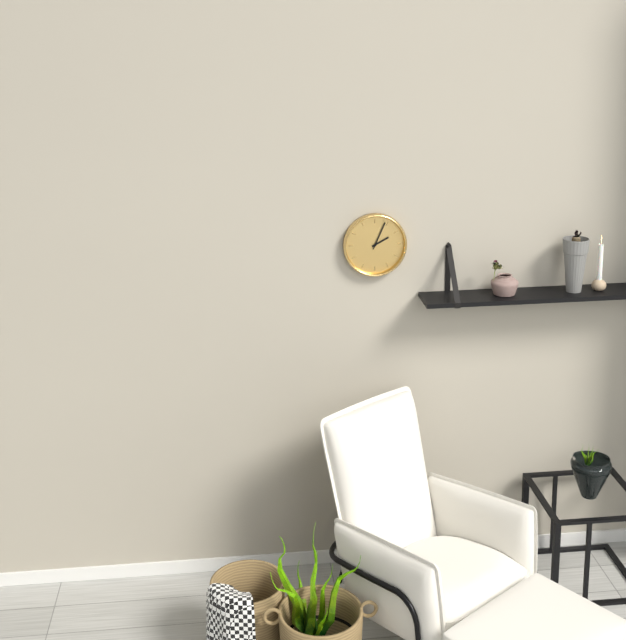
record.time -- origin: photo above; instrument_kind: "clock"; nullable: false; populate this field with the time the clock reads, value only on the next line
2:04
